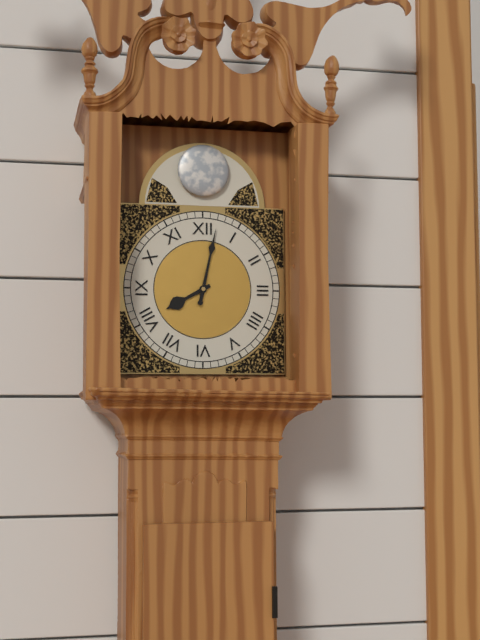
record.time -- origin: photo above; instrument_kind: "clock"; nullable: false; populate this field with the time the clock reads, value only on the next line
8:02
